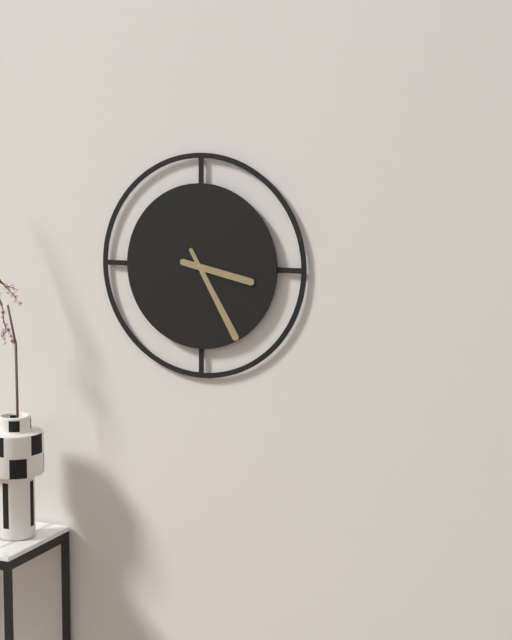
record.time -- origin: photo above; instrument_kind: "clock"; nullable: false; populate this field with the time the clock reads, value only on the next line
3:25
